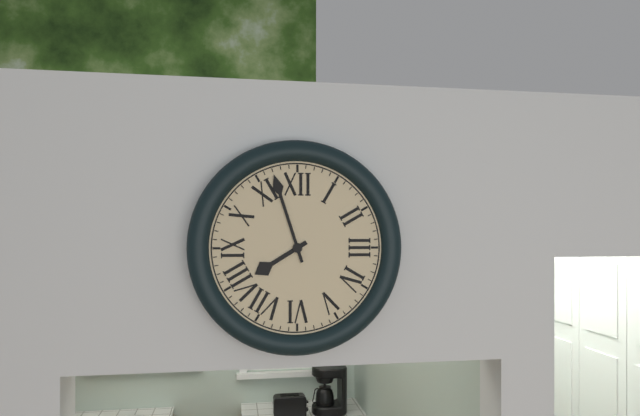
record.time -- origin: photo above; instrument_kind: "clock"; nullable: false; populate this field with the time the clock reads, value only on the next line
7:57
